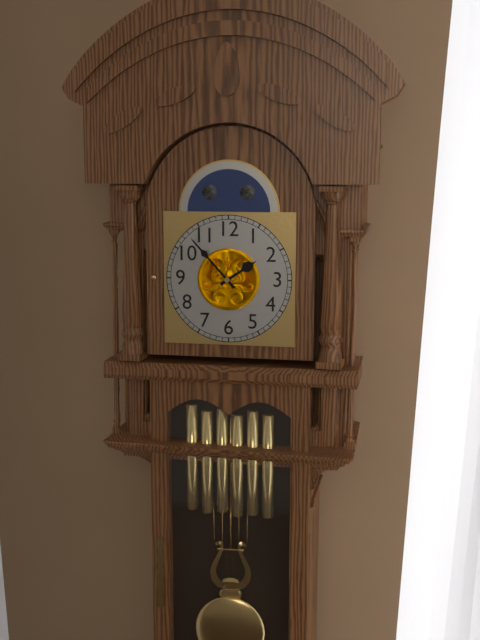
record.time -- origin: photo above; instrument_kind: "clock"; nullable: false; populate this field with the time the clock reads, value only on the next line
1:53
